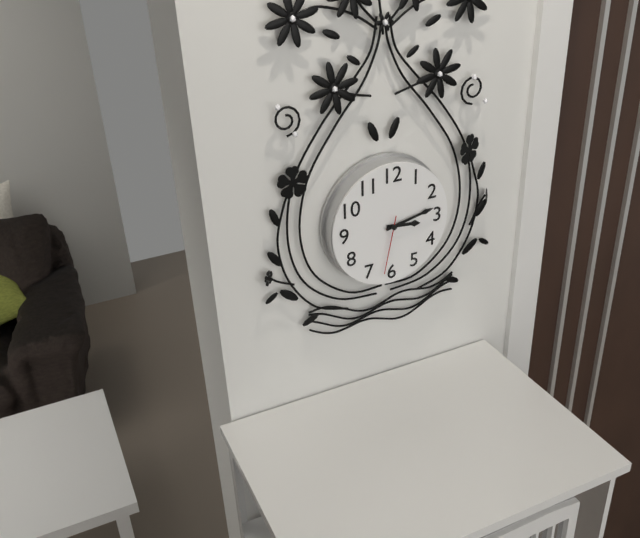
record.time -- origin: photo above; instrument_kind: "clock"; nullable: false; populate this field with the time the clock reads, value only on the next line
3:13:32
